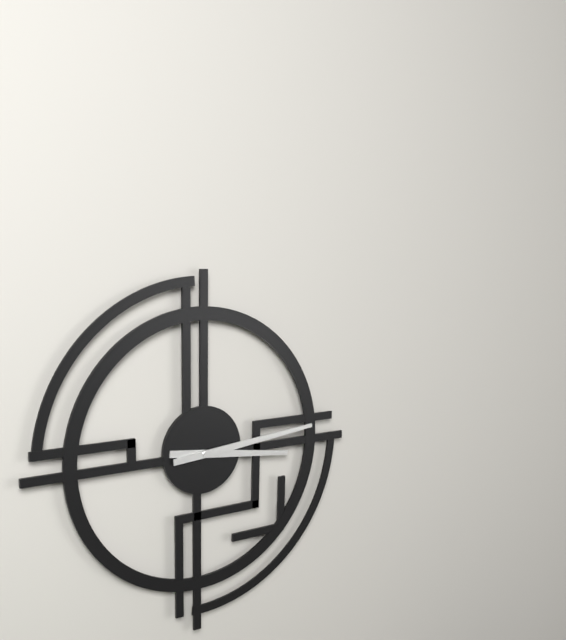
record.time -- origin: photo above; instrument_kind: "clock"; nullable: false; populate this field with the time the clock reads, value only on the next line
3:14
